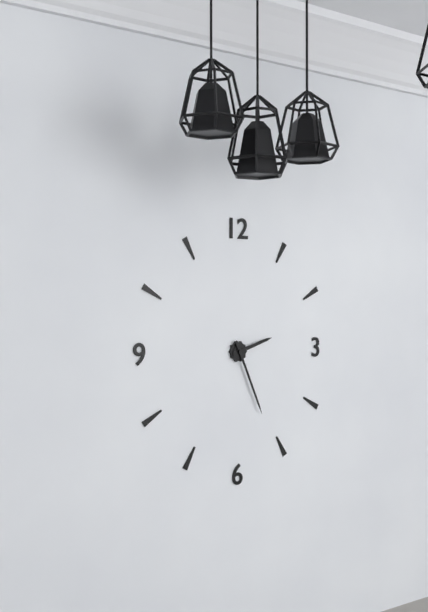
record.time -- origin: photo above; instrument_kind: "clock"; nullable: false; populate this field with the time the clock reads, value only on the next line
2:26
